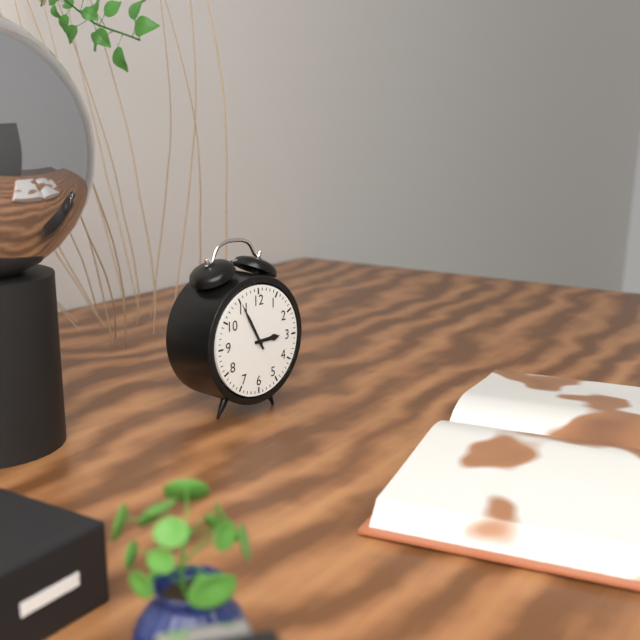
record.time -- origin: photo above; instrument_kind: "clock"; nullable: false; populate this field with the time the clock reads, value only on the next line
2:55
